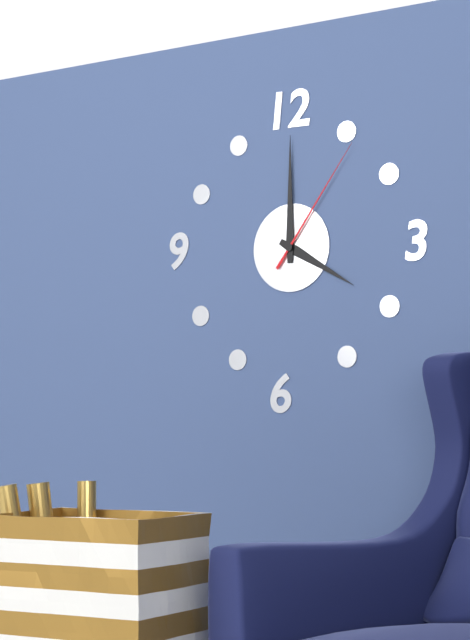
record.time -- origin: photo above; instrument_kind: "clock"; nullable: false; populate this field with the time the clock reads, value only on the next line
4:00:06
